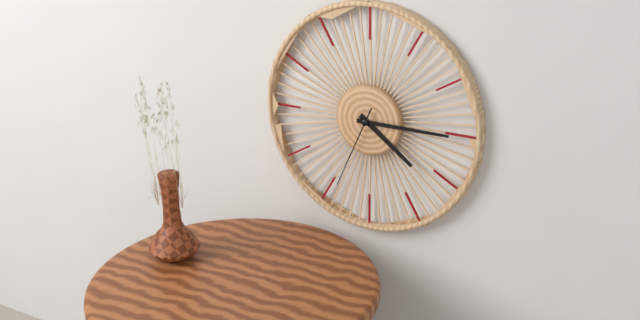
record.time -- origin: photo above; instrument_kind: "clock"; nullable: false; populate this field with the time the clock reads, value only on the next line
4:15:34
